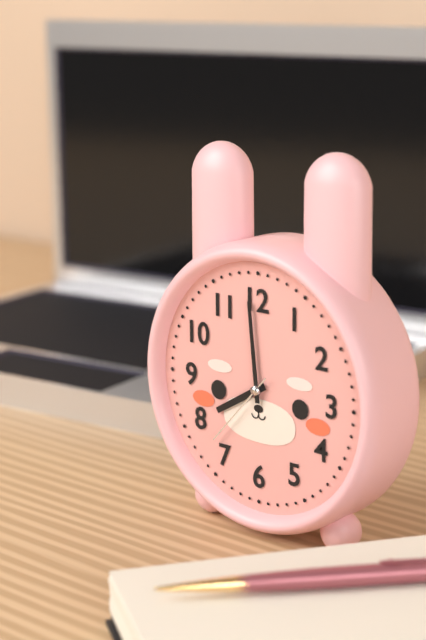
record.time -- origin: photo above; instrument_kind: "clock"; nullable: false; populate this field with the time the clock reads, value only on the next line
7:59:37
